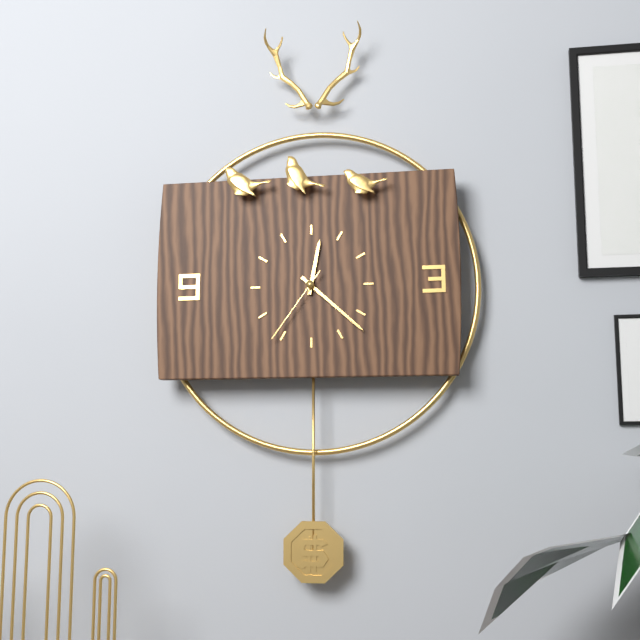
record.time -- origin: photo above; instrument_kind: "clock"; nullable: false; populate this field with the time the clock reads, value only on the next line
12:22:36
